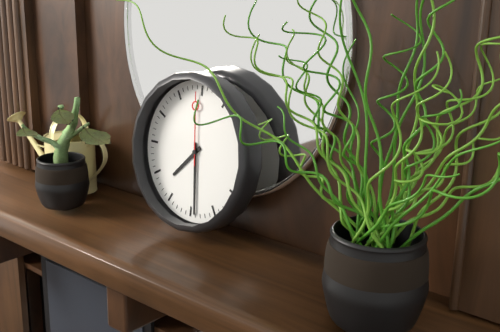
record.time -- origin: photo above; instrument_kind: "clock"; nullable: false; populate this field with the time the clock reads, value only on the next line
7:29:59
